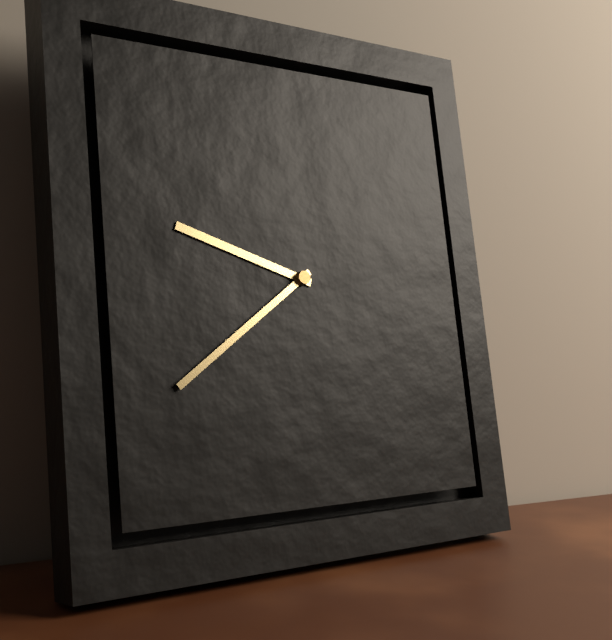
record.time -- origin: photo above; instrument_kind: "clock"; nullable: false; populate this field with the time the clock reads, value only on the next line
9:39
